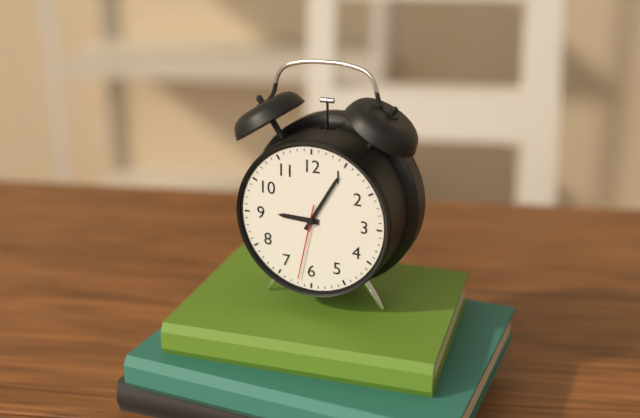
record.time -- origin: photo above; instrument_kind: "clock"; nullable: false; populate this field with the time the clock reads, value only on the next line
9:05:32
